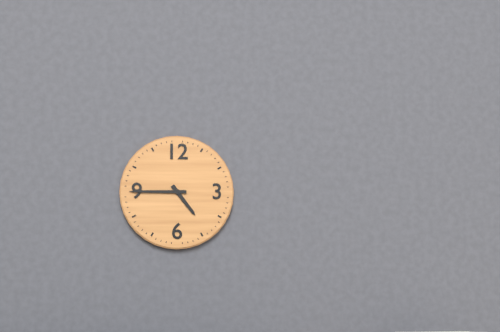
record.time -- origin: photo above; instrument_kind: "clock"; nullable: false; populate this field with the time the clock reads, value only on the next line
4:45
